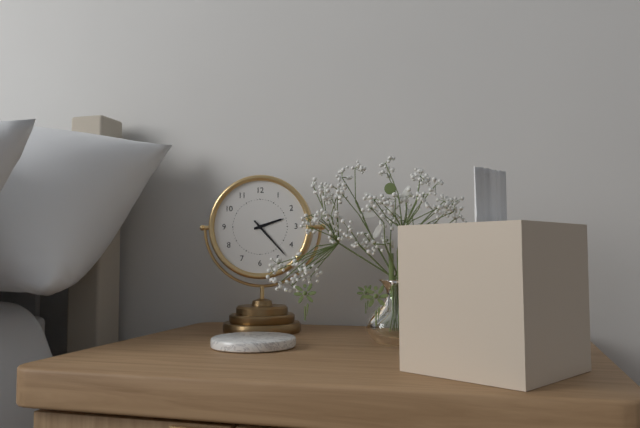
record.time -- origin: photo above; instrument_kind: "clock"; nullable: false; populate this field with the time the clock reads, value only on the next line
2:23
